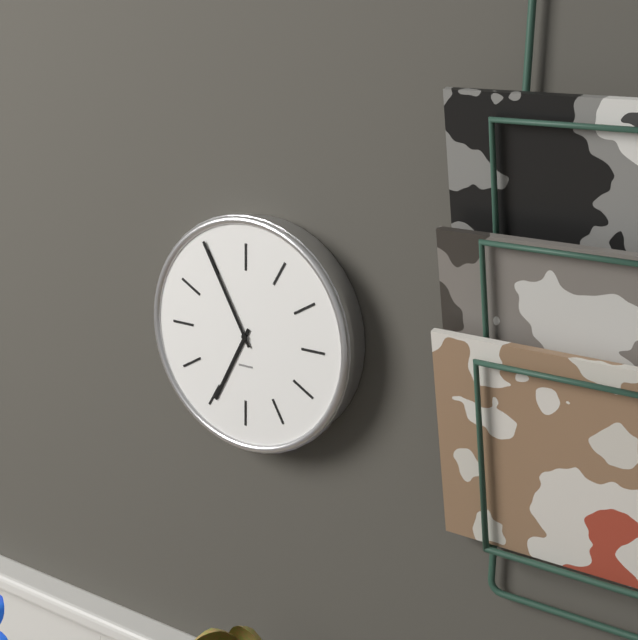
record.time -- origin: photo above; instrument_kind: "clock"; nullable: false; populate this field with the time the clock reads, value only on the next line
6:55
